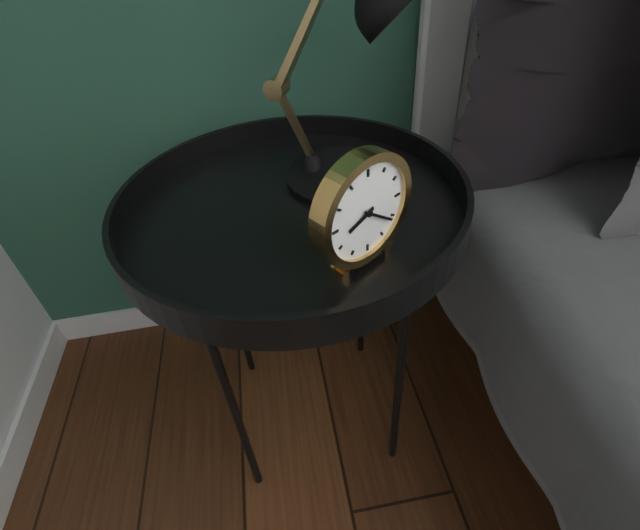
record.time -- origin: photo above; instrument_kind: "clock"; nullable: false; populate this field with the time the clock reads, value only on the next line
8:21
